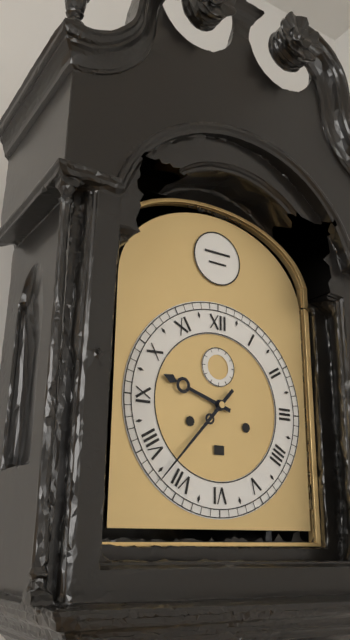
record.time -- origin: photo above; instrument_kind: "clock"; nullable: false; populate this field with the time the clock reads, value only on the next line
9:37
